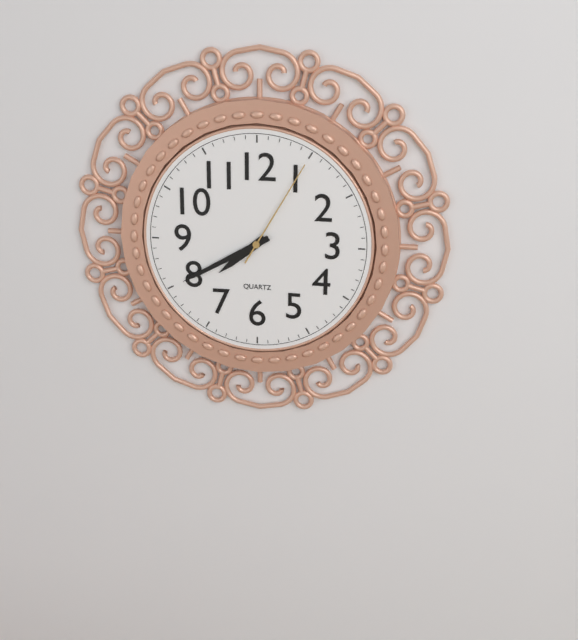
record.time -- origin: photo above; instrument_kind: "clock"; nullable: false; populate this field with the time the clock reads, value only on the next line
7:40:05
